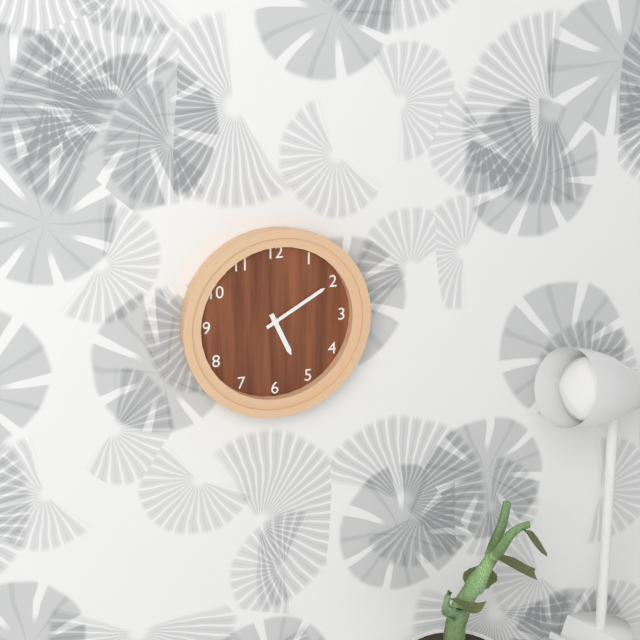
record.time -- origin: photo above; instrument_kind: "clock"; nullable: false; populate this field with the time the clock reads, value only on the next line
5:10
